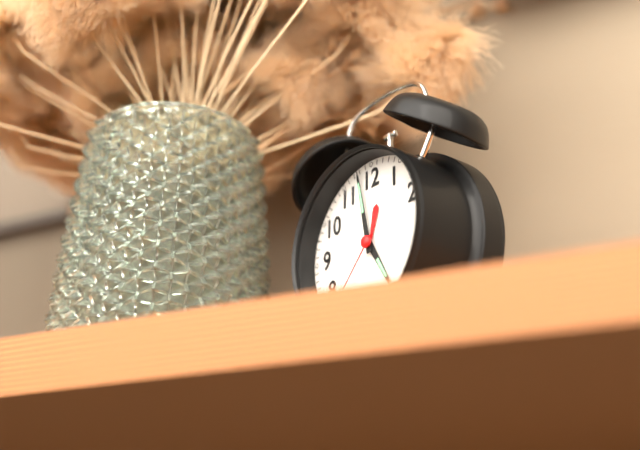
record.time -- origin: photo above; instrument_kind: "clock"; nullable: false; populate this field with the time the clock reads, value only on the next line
4:58
